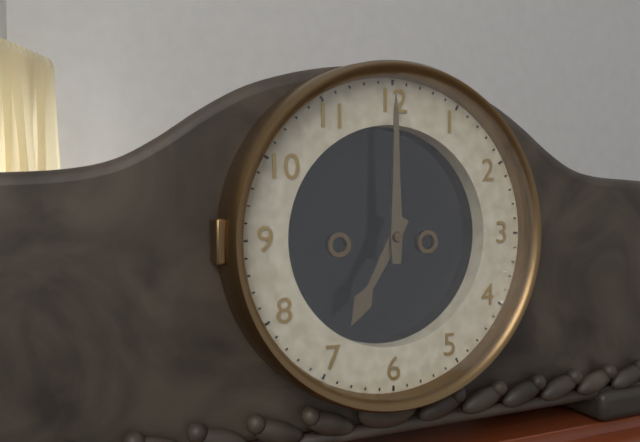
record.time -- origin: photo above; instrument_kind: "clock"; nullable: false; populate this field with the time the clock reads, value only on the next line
7:00
